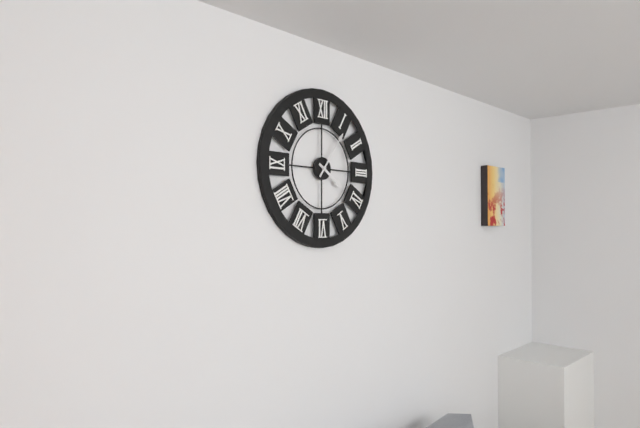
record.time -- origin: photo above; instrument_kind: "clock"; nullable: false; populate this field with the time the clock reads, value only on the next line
4:06
